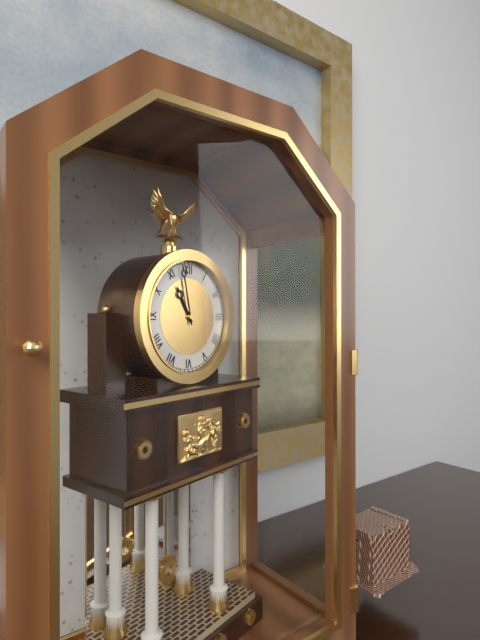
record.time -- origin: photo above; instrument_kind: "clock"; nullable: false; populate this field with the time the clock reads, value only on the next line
10:58
